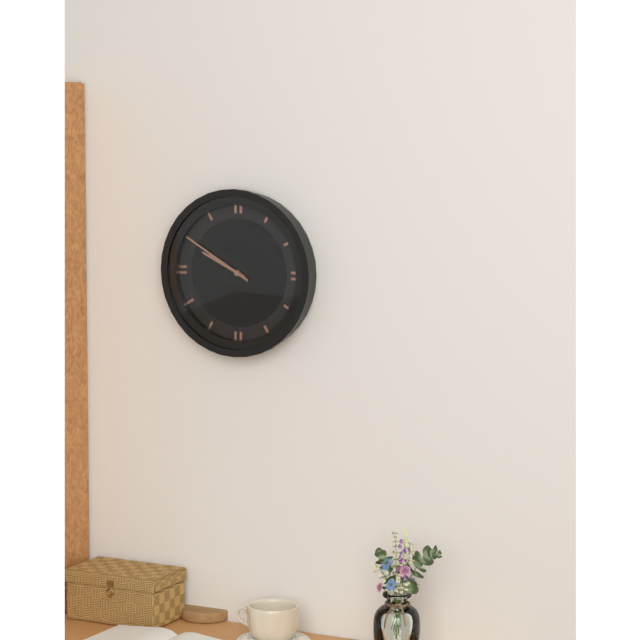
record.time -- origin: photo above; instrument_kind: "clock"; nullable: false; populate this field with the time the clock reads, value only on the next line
9:50
